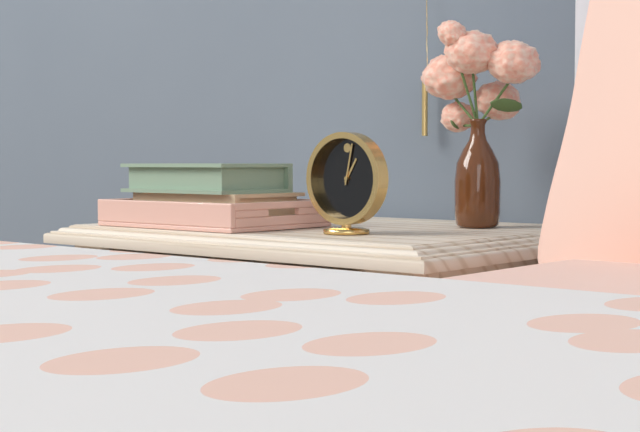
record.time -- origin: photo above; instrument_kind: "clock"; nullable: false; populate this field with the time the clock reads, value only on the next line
1:02
